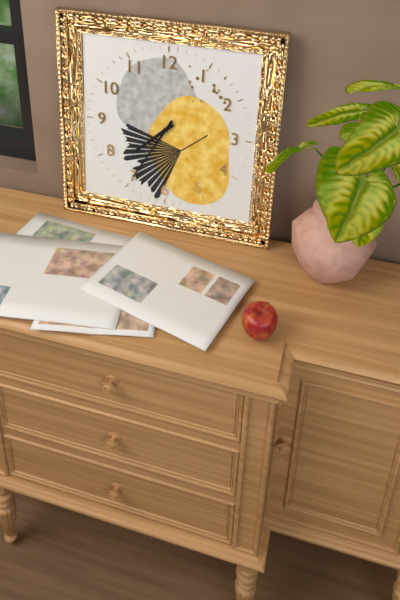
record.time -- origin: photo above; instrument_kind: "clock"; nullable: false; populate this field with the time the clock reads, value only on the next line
7:35
